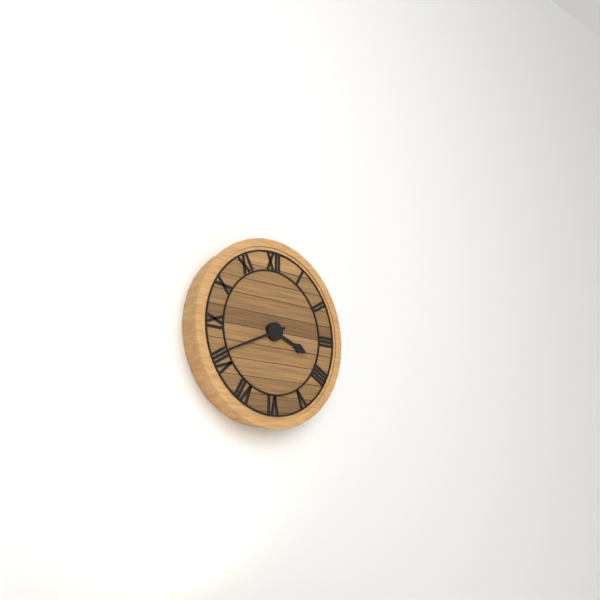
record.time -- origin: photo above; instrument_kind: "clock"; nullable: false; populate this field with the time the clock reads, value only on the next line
3:41
